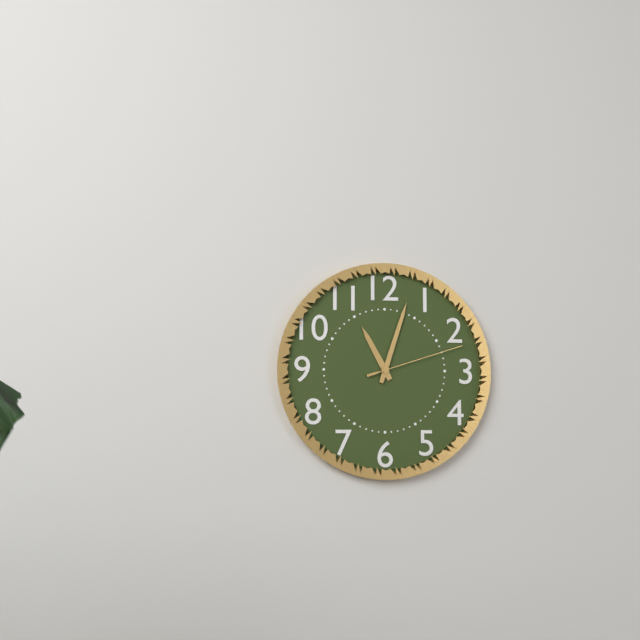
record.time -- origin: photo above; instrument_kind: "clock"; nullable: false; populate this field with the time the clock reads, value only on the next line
11:03:12
